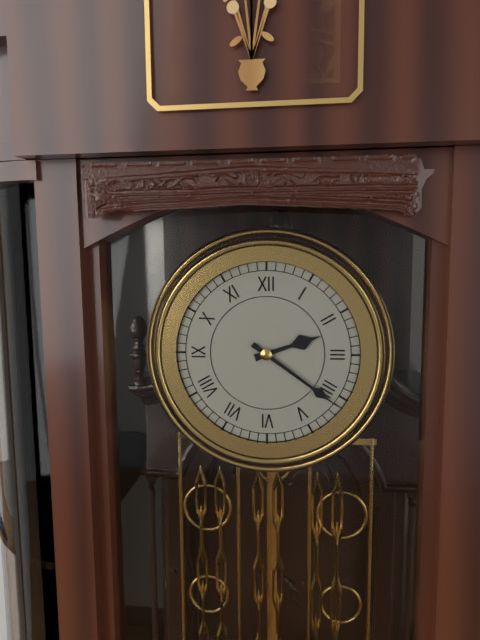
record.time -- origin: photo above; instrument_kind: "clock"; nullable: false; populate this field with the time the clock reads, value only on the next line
2:21
